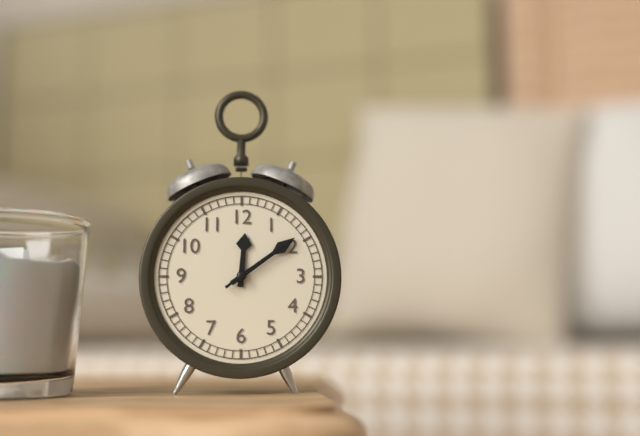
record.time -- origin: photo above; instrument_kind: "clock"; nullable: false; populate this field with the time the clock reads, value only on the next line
12:09:09
